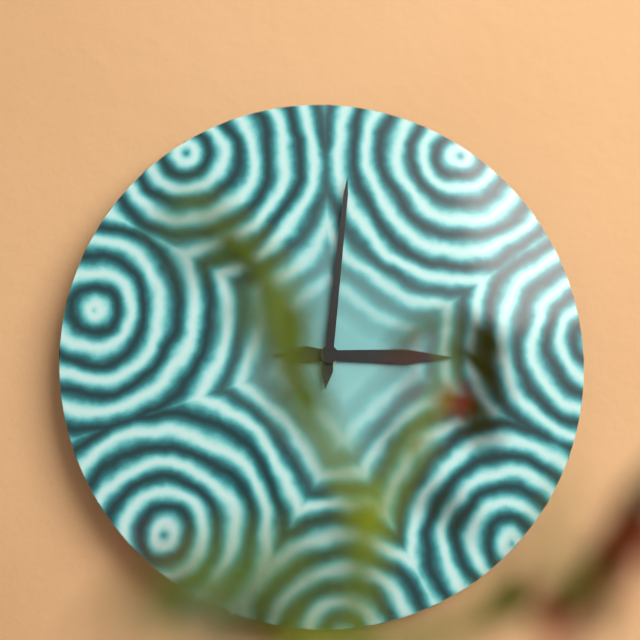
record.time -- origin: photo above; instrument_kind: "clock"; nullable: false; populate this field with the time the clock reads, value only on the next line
3:01
